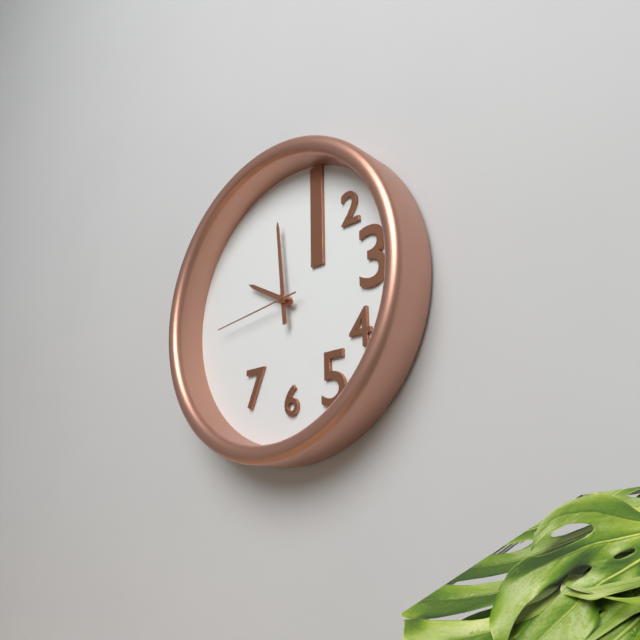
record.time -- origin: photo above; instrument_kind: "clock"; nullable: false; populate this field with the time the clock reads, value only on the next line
9:59:44
